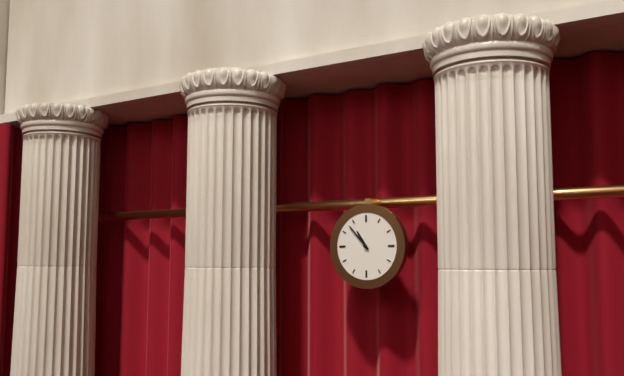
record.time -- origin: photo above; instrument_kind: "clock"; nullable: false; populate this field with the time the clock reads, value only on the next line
10:53
